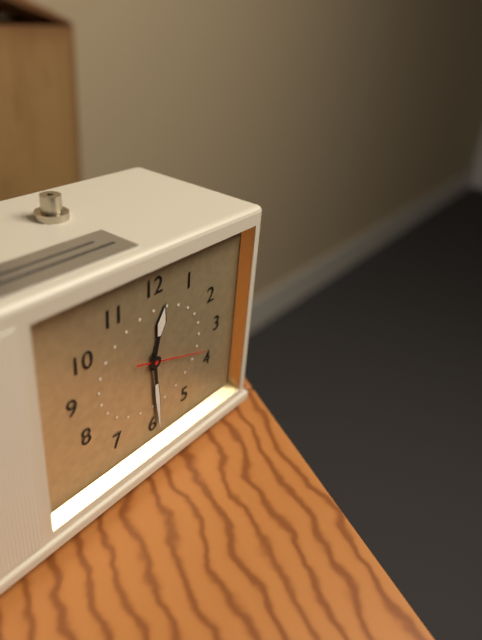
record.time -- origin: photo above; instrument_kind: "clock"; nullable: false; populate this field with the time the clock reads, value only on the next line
12:29:18
